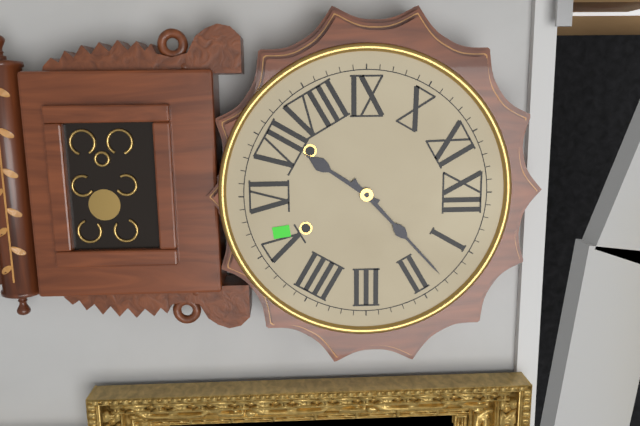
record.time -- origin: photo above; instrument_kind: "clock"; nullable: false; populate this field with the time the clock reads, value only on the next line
7:08
